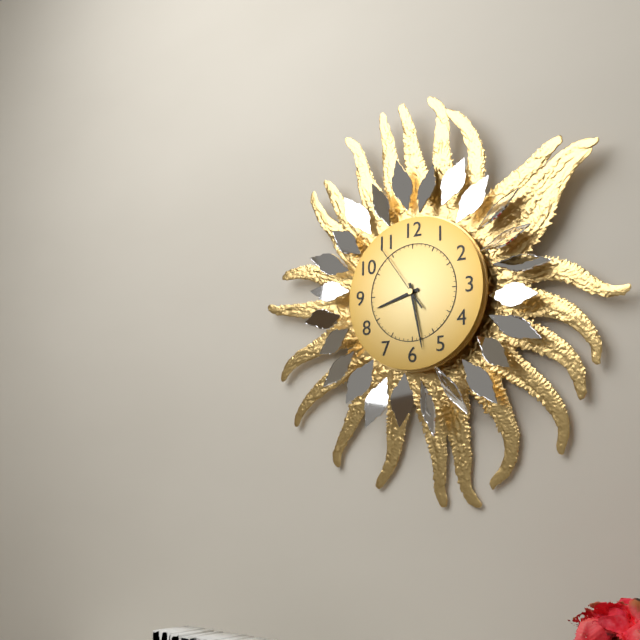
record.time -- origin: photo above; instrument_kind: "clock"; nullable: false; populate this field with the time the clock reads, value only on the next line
8:28:54
